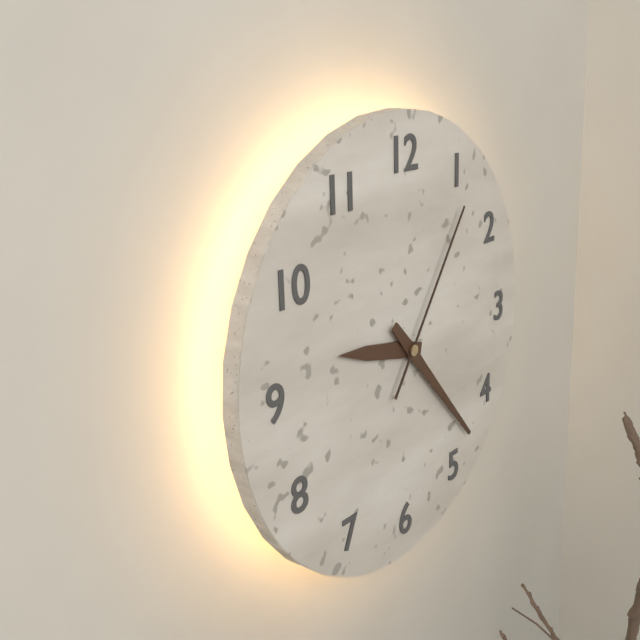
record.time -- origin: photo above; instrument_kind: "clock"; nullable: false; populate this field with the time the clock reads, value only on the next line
9:23:06
